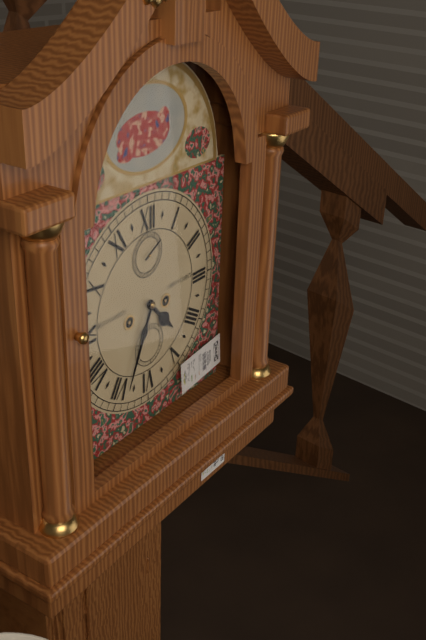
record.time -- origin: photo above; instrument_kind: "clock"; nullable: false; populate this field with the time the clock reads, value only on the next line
4:34
